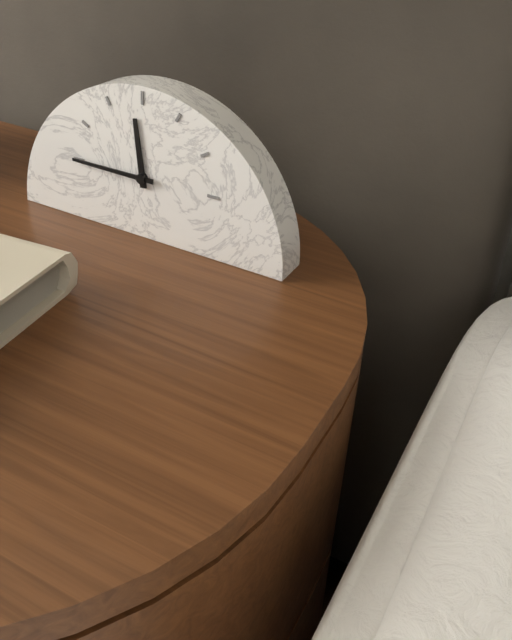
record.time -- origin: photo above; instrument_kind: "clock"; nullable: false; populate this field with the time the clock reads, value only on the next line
11:45
